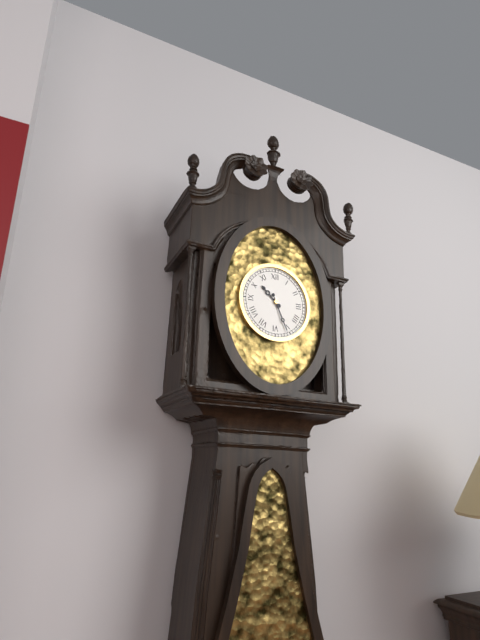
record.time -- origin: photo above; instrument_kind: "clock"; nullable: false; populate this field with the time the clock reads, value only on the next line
10:26
